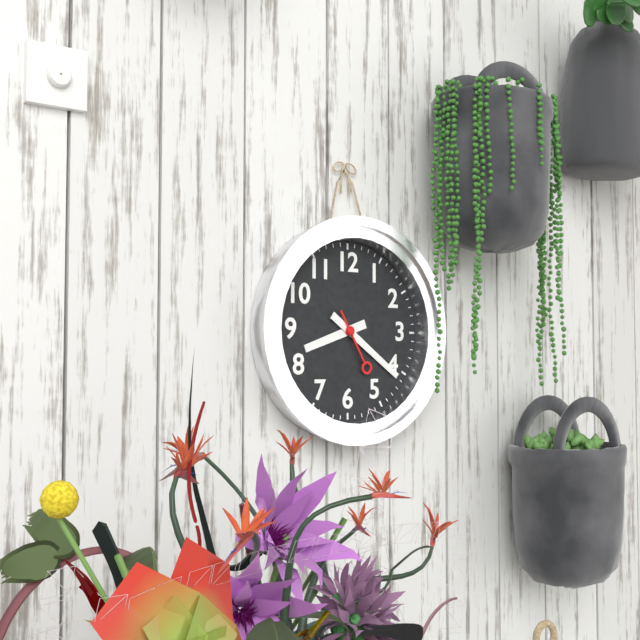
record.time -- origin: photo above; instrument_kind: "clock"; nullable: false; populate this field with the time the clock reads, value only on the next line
8:21:25
